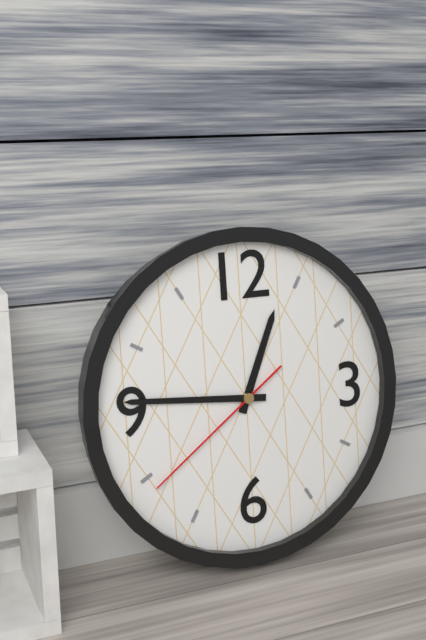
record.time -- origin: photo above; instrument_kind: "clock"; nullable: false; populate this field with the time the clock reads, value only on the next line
12:46:39
